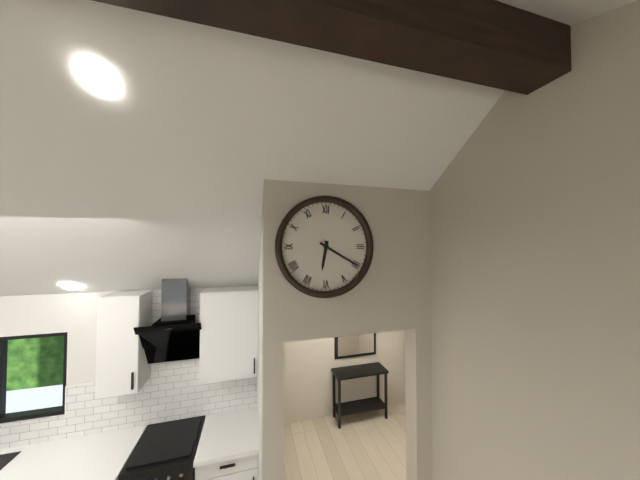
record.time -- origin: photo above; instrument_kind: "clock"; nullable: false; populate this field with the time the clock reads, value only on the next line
6:20
